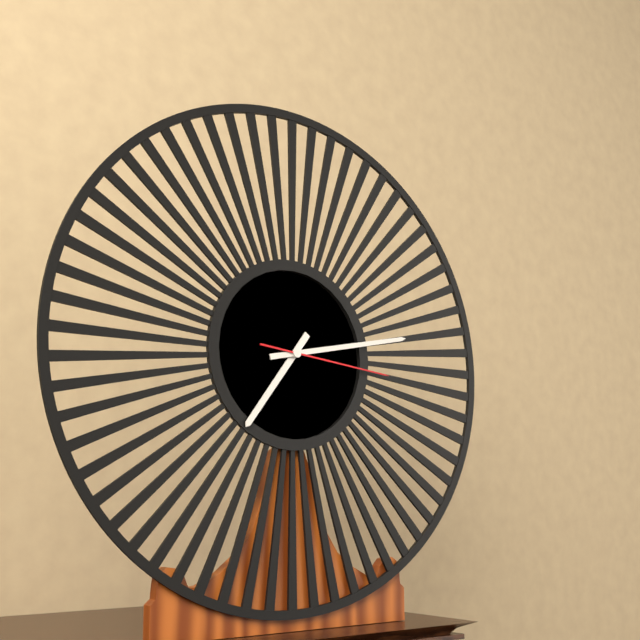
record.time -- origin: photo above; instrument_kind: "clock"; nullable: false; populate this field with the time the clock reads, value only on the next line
7:13:16
